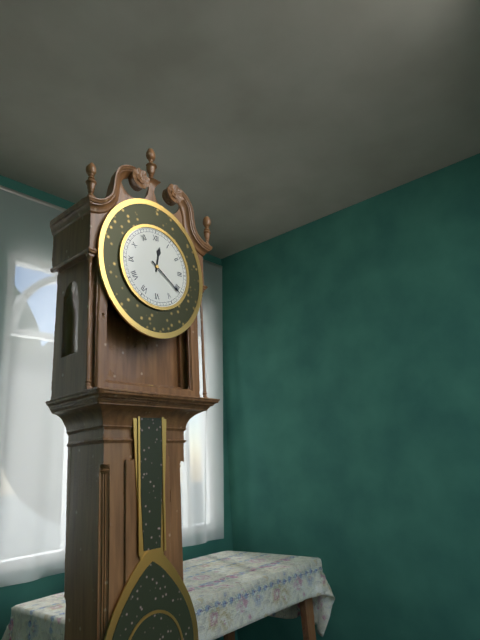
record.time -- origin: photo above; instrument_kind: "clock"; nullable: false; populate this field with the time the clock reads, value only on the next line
12:21
